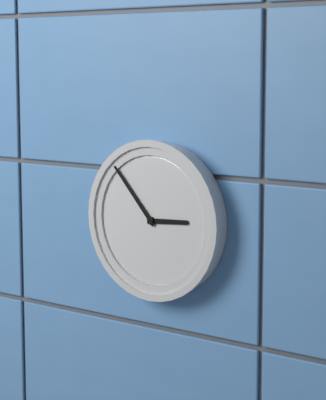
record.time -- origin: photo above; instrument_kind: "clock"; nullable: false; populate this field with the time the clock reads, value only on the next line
2:53
